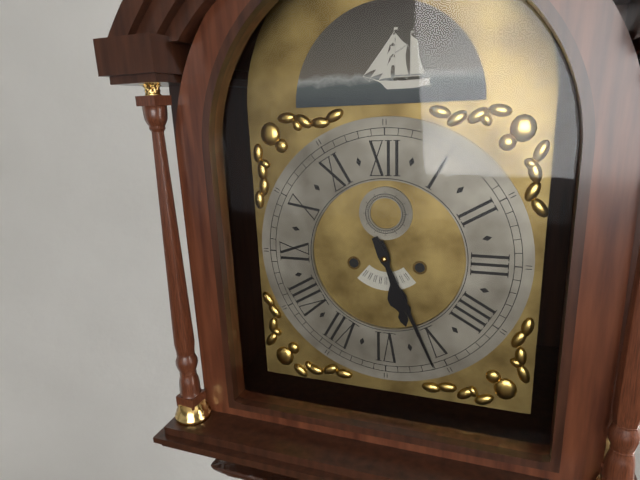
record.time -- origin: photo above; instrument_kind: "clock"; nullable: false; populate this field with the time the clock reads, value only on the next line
5:26
